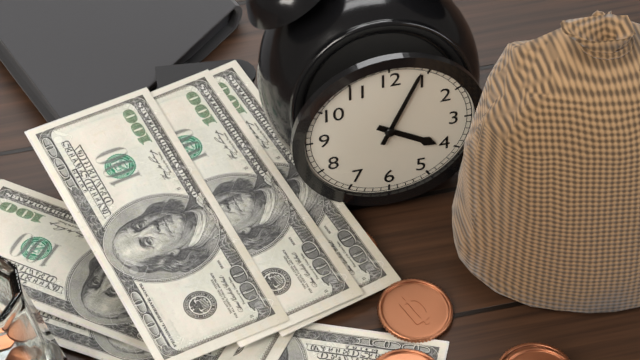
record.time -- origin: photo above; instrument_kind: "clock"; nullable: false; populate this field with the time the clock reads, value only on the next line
4:04
